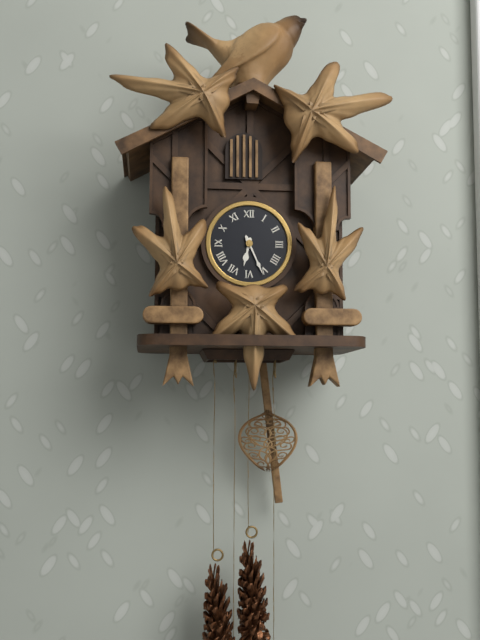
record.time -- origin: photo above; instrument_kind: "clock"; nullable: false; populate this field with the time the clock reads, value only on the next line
6:26
